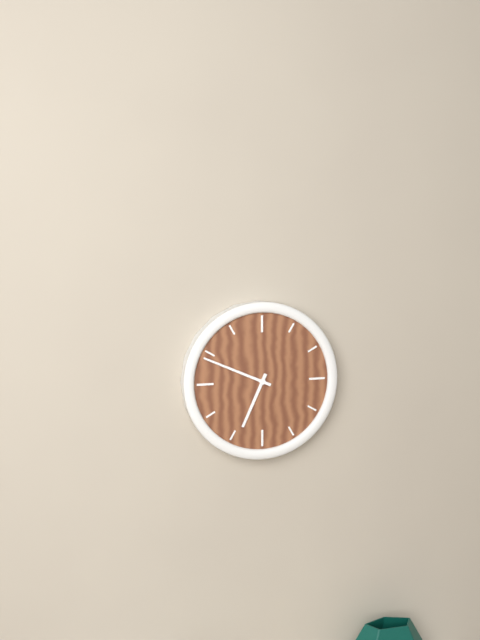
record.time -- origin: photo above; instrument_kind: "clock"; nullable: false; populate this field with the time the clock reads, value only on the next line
6:49
